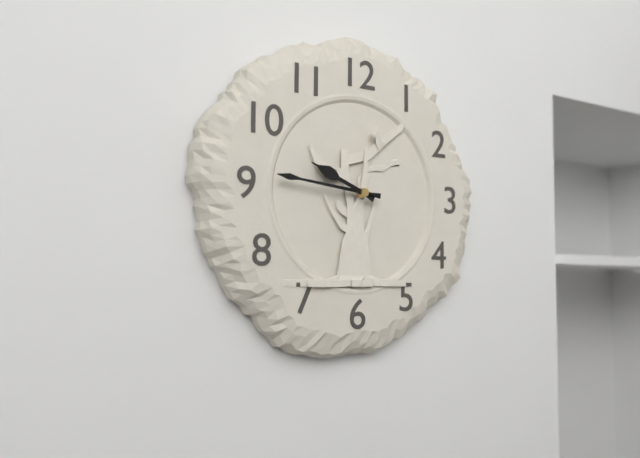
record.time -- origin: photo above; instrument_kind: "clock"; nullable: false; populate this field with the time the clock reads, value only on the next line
9:46
